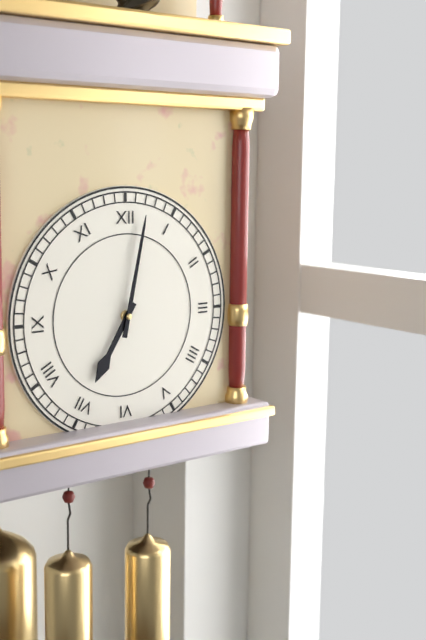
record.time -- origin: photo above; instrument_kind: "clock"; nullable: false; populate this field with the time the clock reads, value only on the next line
7:02
